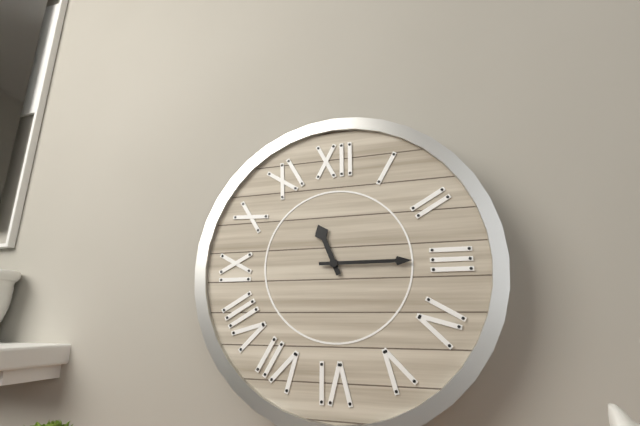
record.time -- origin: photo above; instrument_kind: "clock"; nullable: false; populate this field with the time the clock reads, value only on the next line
11:15
